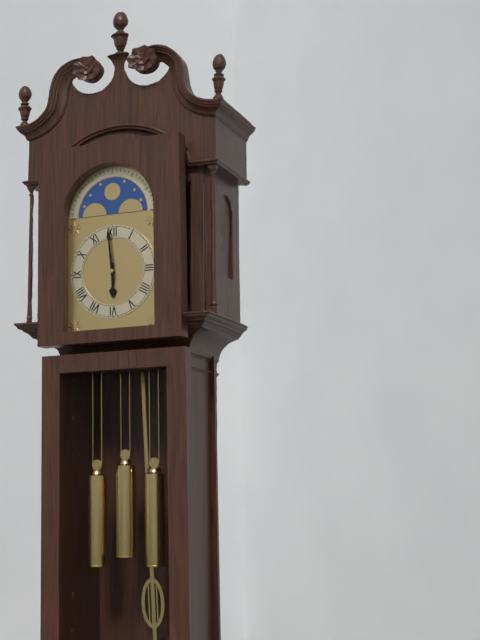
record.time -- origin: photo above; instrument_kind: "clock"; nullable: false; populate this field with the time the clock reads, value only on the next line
5:59
